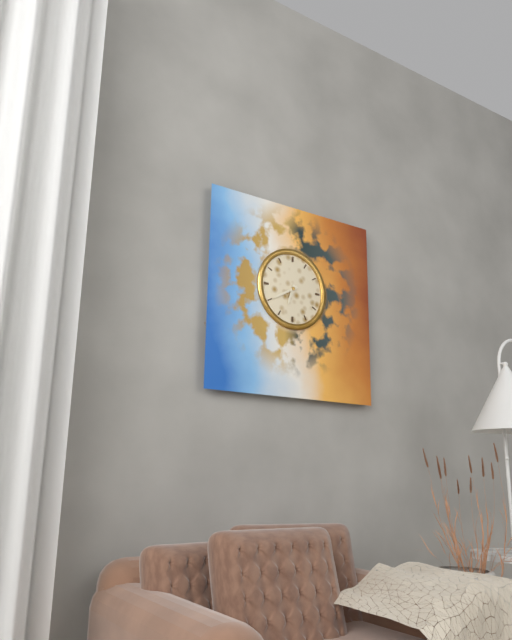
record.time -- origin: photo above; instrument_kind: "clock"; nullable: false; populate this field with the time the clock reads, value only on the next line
6:40
